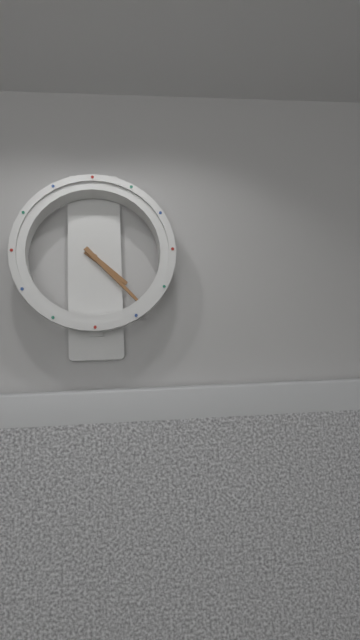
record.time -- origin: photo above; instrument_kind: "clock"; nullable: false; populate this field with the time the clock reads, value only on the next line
4:23
